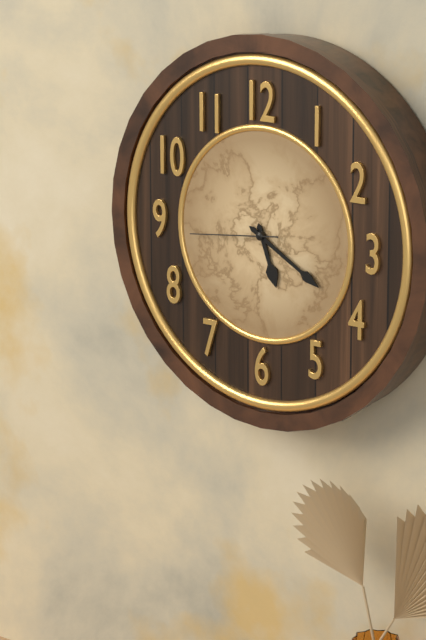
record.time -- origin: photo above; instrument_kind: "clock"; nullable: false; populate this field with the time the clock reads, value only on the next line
5:20:44
